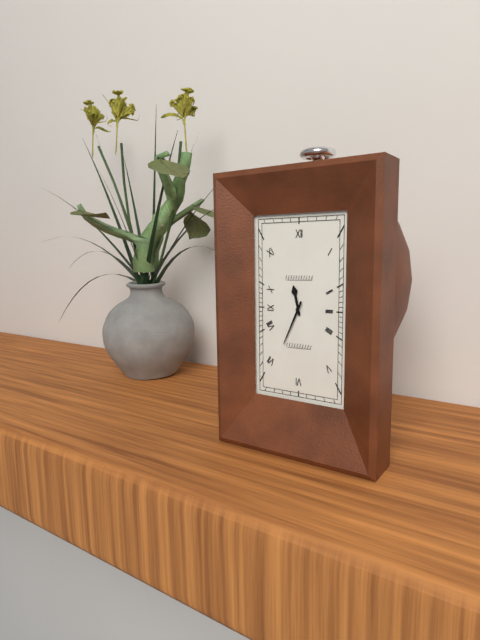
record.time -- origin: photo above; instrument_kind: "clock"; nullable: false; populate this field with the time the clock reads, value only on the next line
11:34
